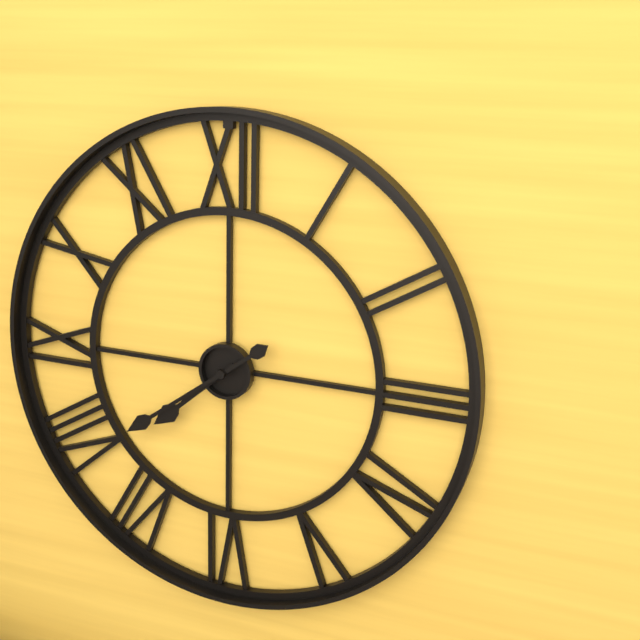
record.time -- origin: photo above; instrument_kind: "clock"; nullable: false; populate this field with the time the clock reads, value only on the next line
7:39
